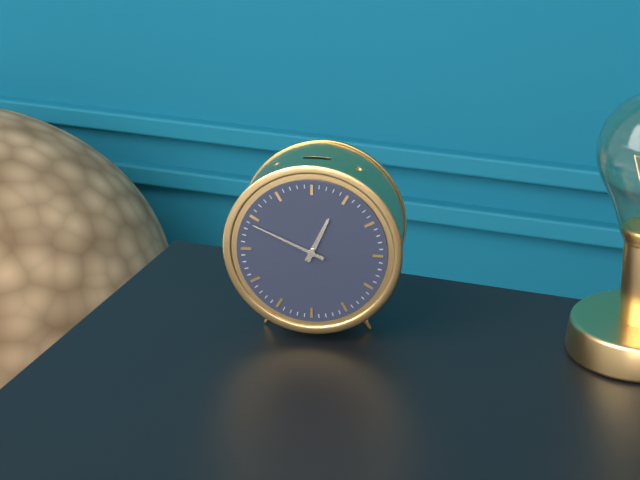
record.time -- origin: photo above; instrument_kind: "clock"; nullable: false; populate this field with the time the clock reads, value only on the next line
12:49
